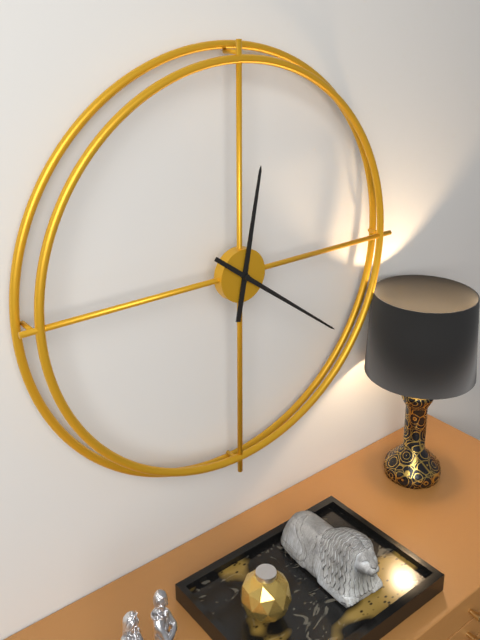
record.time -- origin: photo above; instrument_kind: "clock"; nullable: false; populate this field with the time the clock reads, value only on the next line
12:21
